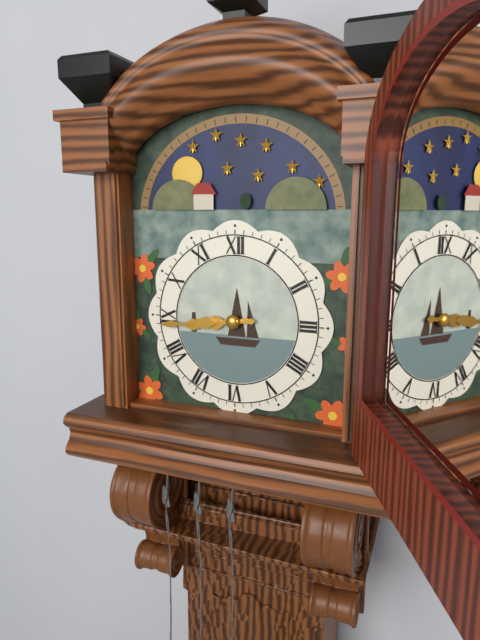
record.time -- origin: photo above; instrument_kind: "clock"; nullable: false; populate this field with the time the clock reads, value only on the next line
8:44
